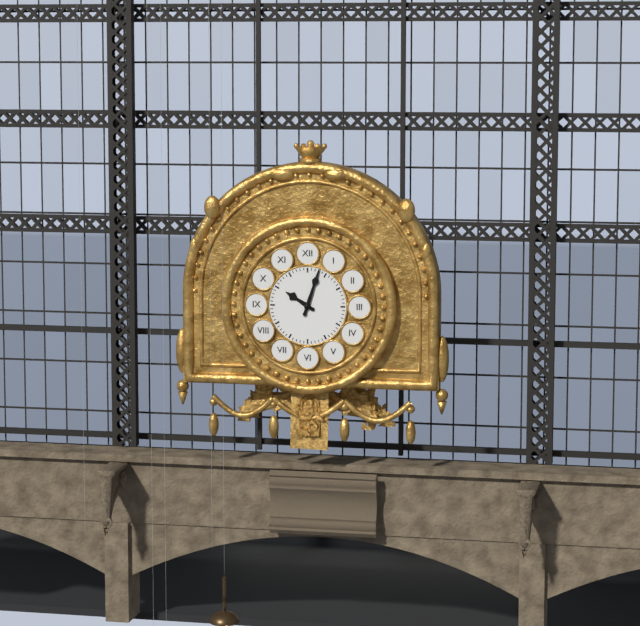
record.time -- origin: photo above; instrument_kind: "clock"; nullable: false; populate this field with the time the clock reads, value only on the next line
10:03
